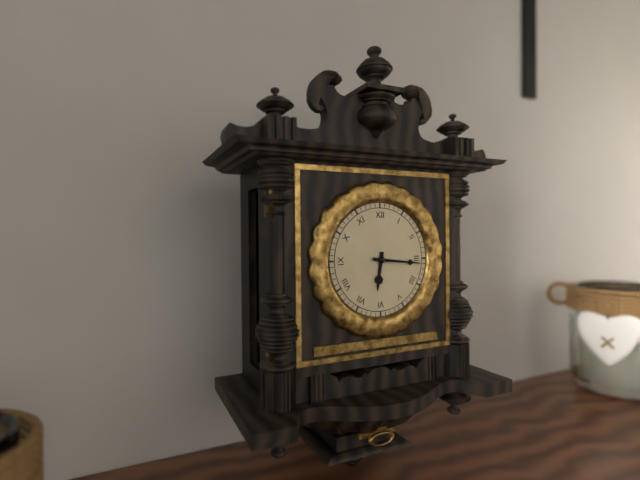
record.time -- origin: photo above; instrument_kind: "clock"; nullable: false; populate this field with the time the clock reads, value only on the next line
6:16
